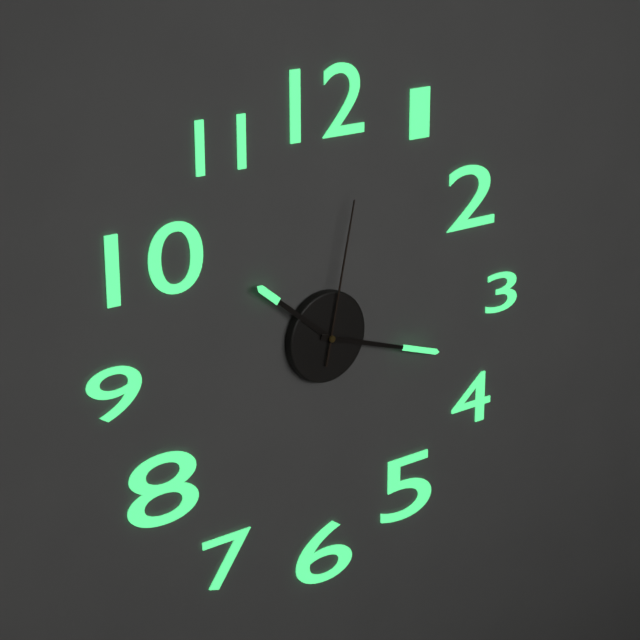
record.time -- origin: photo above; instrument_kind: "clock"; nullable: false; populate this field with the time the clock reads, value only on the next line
10:18:02
